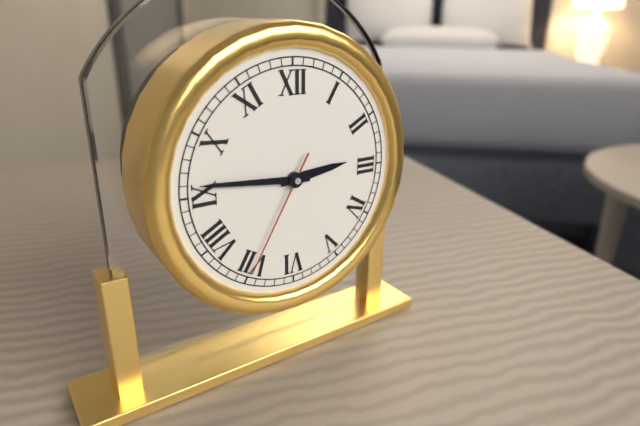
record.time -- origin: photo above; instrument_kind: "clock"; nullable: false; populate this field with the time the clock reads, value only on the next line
2:46:35
